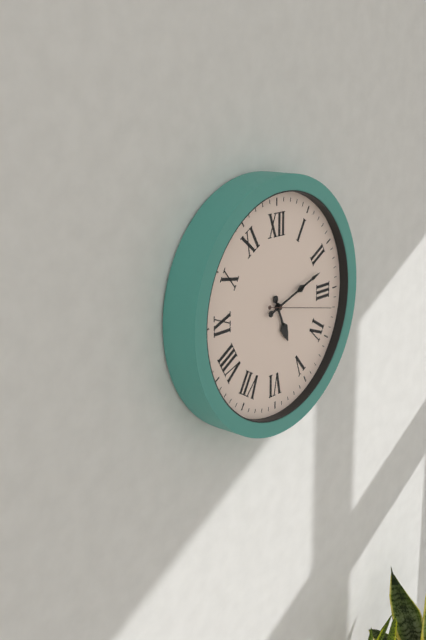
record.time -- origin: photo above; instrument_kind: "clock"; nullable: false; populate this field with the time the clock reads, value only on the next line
5:12:17
